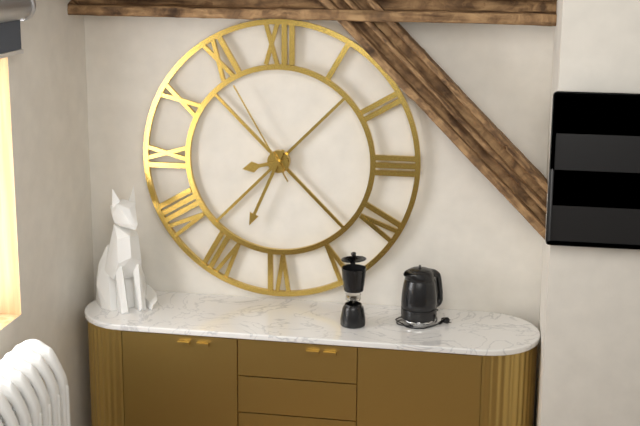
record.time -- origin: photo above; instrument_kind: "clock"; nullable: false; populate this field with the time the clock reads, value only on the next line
8:34:55
